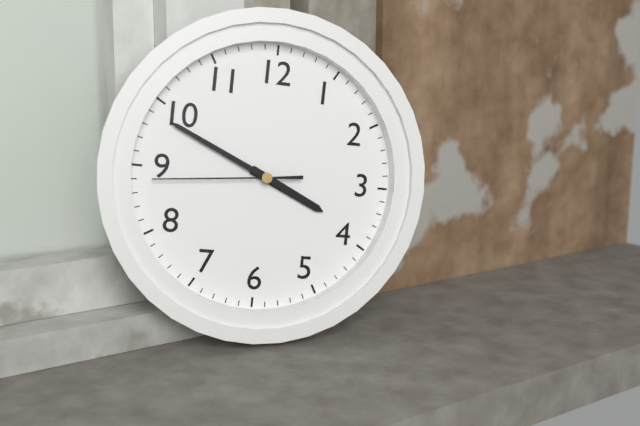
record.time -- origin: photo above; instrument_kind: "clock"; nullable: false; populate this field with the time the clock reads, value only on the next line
3:49:44
